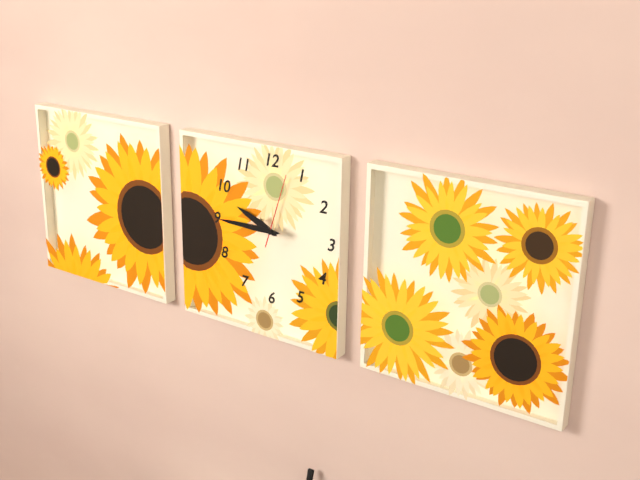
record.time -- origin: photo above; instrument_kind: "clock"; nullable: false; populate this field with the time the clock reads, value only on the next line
9:45:03
